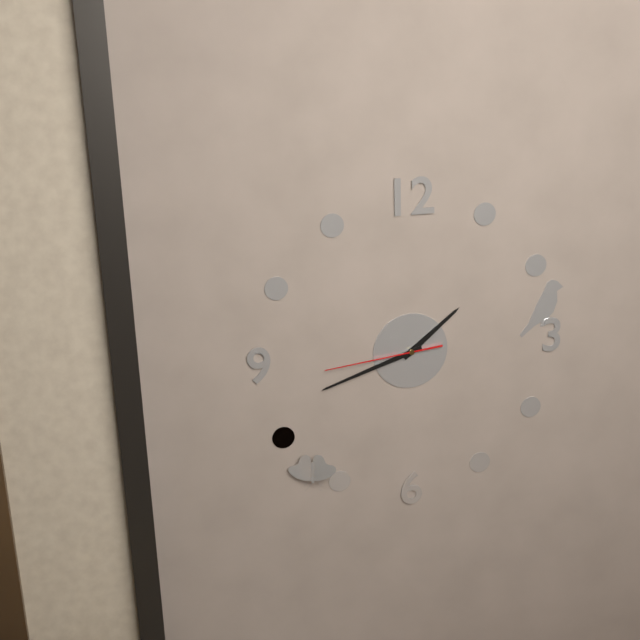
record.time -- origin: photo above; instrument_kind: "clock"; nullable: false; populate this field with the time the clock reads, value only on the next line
1:42:44
